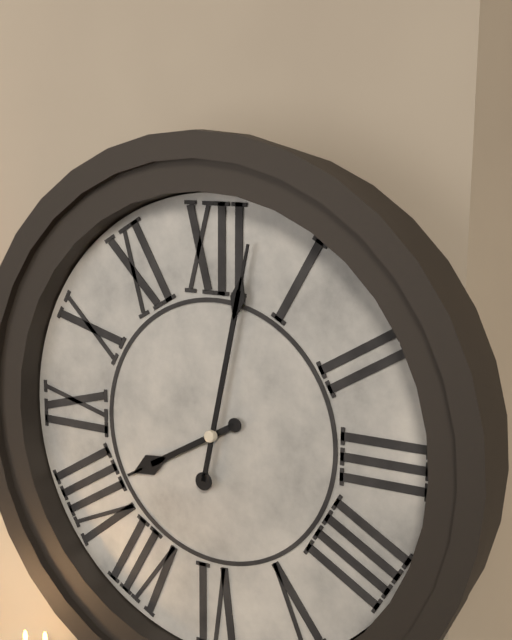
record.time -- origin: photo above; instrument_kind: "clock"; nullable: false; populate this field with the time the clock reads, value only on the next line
8:02
